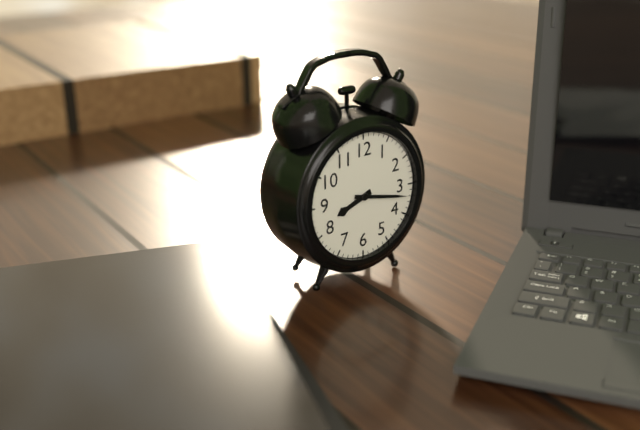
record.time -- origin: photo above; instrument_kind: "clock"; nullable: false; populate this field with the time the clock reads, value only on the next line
8:17
